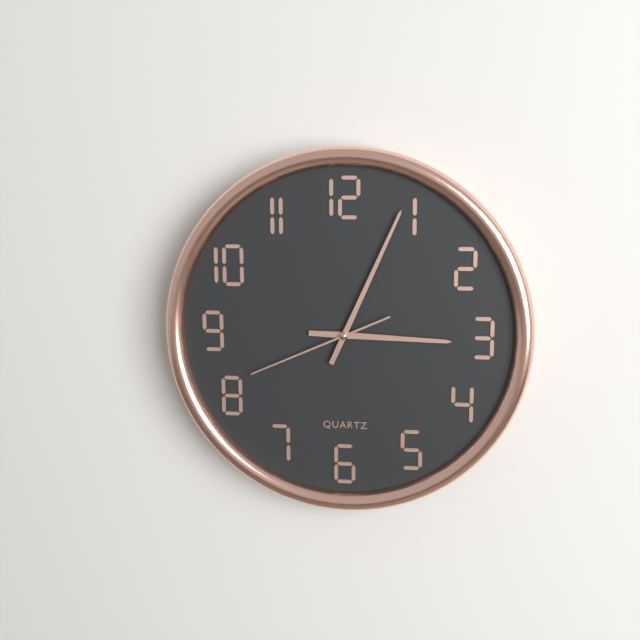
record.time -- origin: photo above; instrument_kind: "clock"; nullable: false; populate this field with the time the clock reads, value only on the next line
3:04:41
